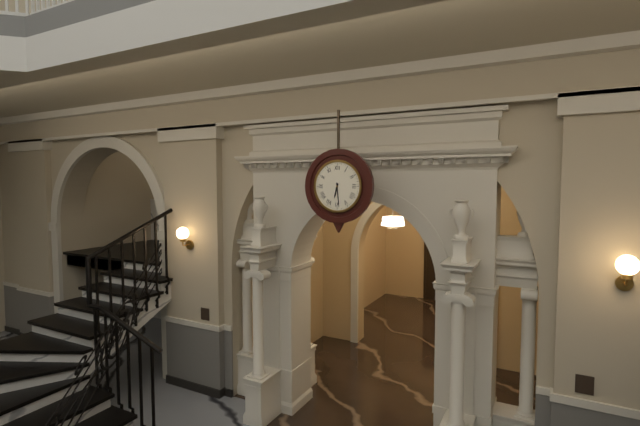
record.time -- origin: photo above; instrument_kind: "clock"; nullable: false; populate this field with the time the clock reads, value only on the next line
6:29
